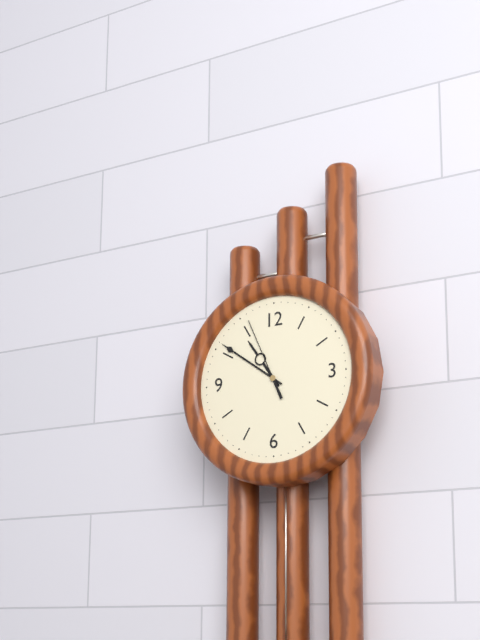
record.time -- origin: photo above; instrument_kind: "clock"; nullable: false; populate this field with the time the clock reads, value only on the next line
10:51:56
